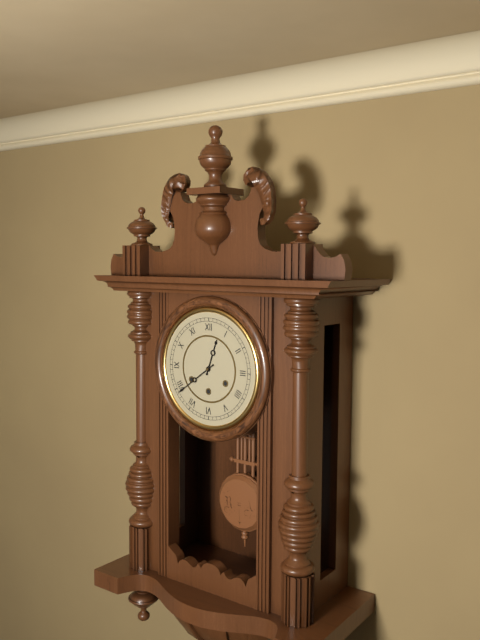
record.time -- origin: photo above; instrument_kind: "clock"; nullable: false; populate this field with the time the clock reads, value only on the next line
12:39
